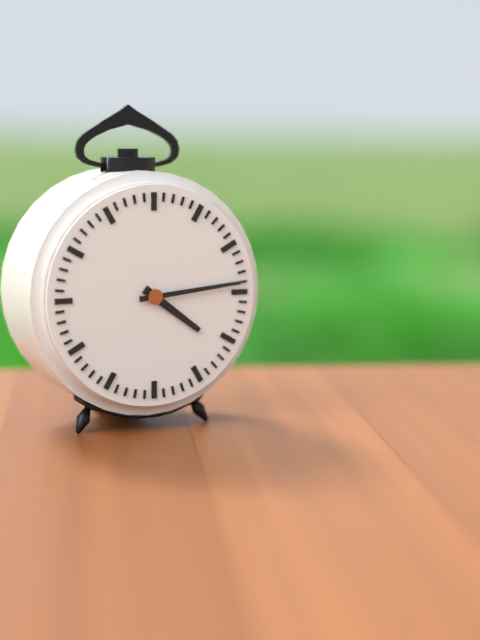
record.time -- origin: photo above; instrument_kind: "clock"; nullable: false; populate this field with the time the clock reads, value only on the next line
4:14
